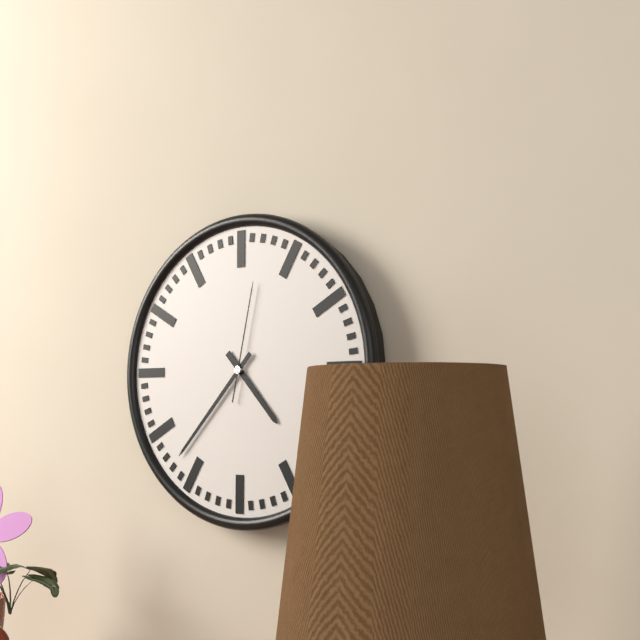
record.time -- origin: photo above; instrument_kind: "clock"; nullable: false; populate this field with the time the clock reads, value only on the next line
4:37:02
